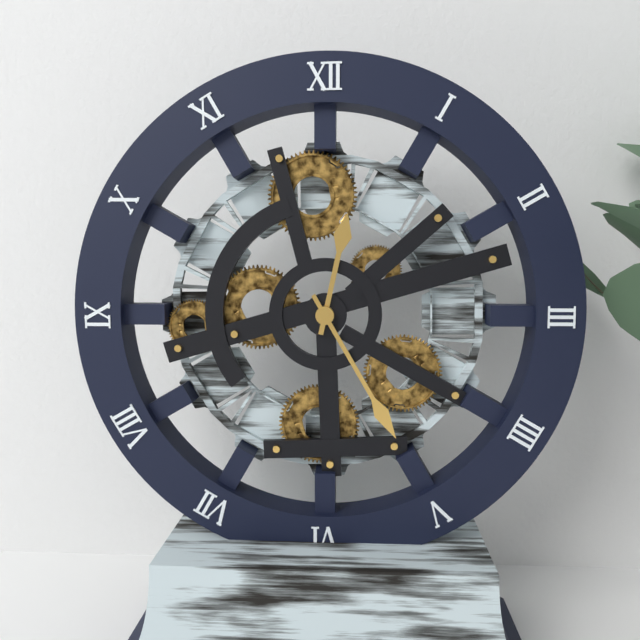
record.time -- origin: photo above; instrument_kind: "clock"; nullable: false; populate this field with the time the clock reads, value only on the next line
12:25
